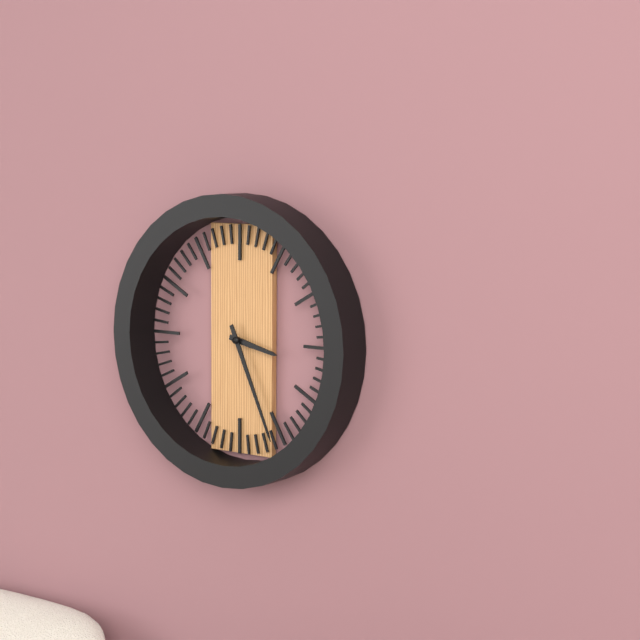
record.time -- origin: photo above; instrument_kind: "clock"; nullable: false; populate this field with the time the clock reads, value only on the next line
3:26
